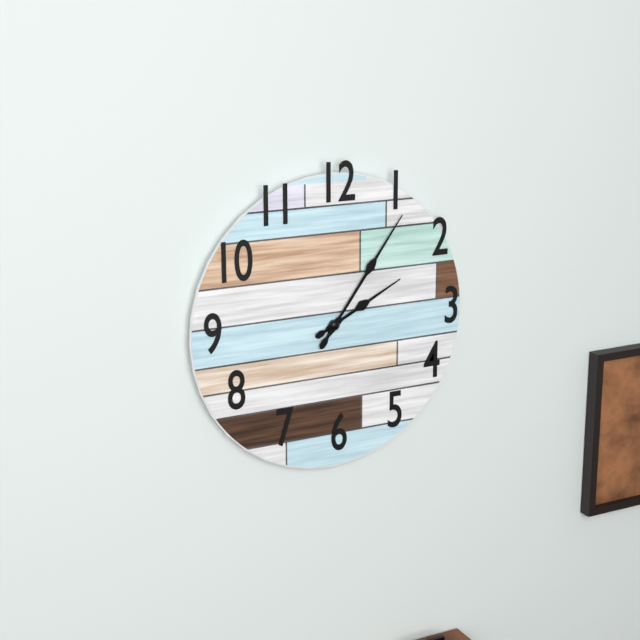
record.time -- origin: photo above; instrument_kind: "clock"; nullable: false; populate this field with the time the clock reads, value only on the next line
2:06
